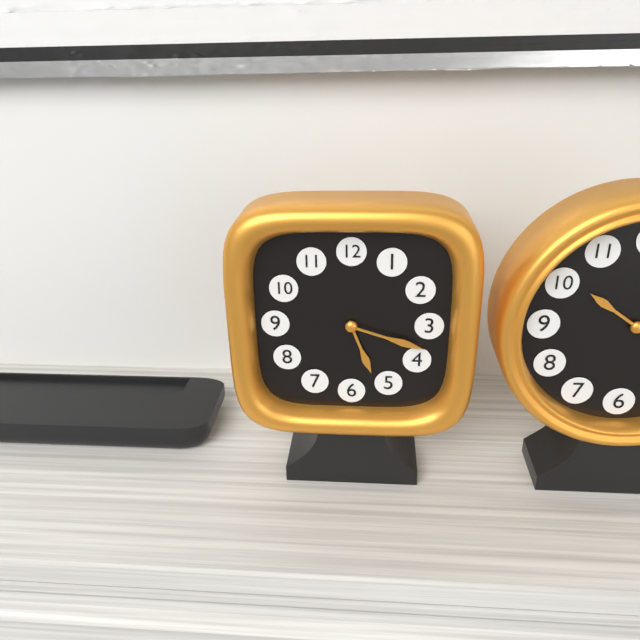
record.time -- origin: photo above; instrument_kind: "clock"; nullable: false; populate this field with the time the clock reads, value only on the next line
5:18
